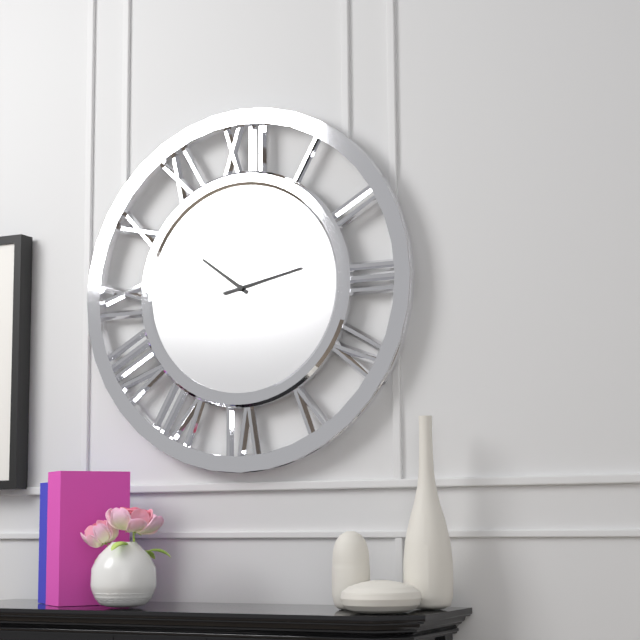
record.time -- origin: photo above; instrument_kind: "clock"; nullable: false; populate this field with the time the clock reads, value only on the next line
10:13
